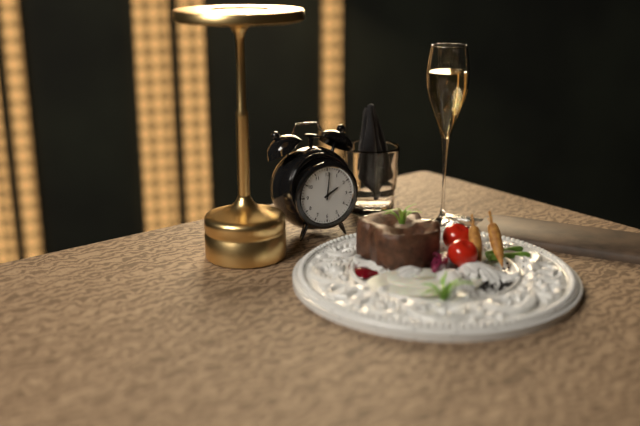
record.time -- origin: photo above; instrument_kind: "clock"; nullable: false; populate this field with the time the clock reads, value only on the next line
2:01
